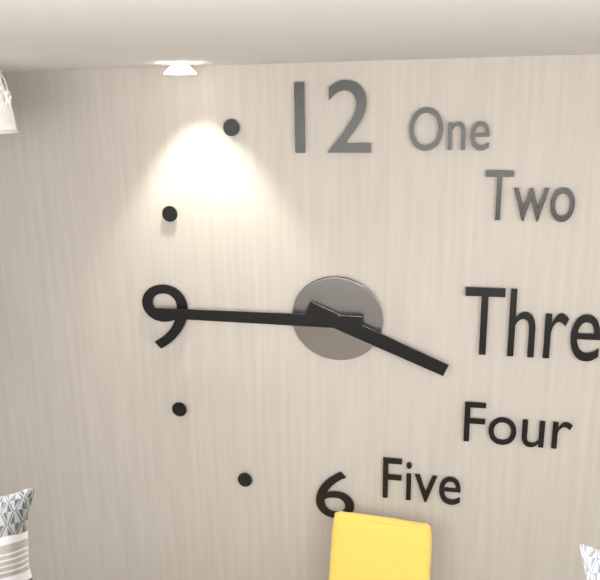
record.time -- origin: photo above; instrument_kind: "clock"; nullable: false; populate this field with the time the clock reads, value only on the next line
3:45
